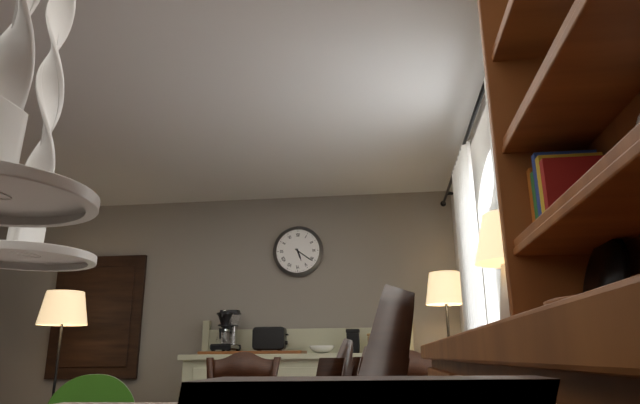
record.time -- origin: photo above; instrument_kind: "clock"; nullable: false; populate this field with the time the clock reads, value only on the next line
5:21
